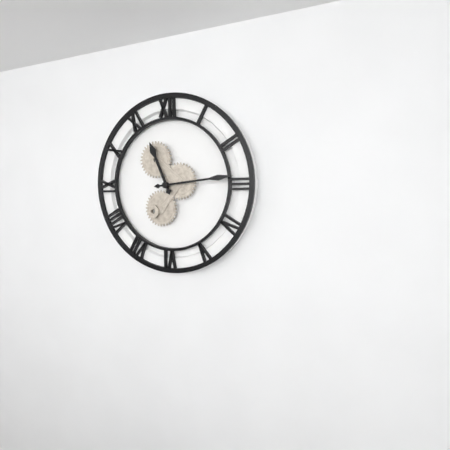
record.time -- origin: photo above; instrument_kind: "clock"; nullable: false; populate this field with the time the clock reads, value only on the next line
11:14
